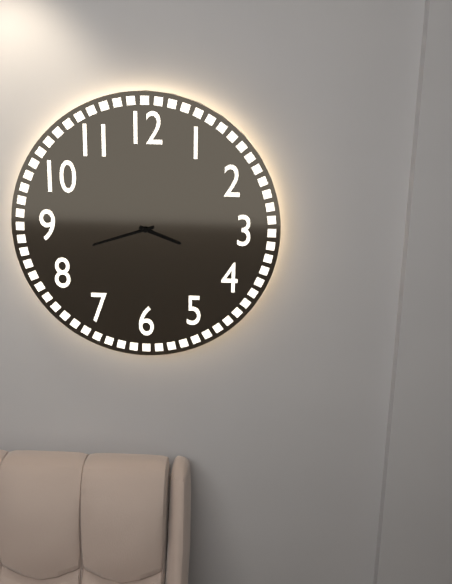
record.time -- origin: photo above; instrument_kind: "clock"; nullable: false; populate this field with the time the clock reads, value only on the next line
3:42
